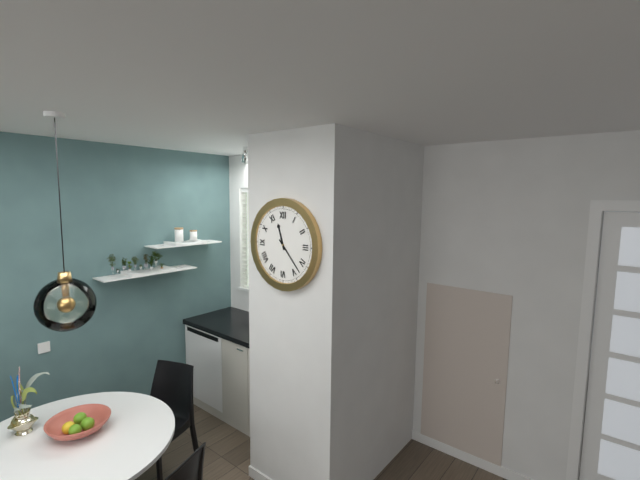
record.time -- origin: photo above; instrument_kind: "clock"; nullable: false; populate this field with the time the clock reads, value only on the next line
11:23
